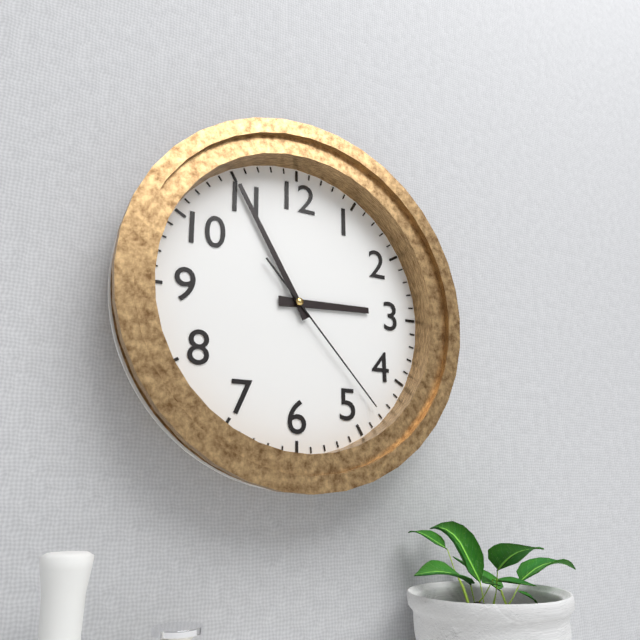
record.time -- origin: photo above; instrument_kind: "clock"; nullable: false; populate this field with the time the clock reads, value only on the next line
2:55:23
